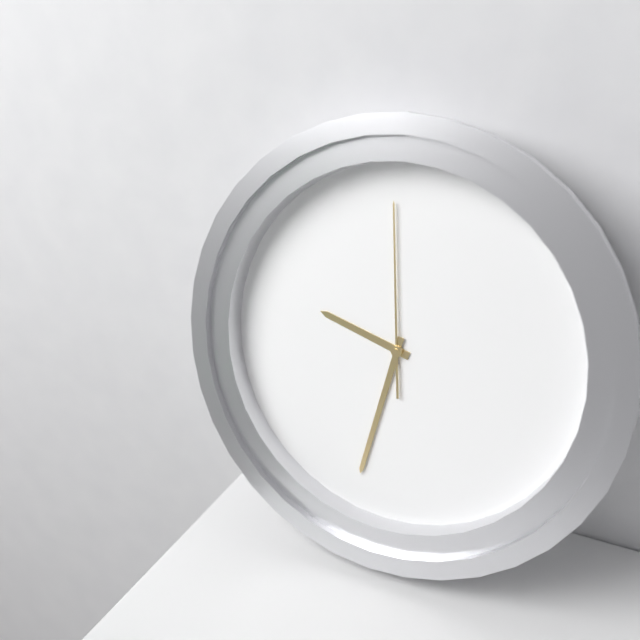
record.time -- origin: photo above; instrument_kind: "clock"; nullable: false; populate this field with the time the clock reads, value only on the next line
9:32:59
